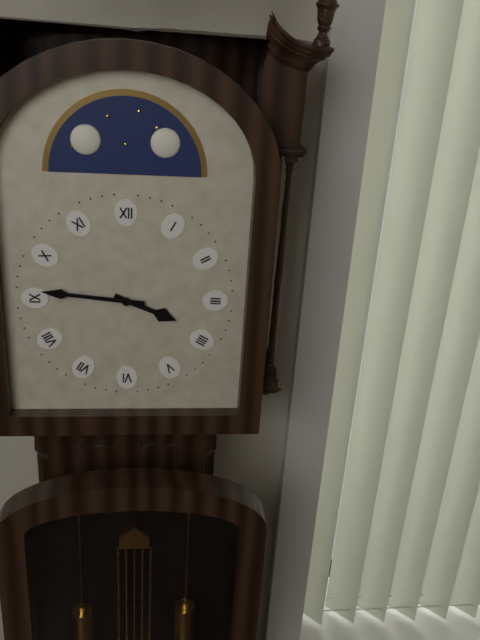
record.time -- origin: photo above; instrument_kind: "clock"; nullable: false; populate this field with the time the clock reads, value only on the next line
3:46
